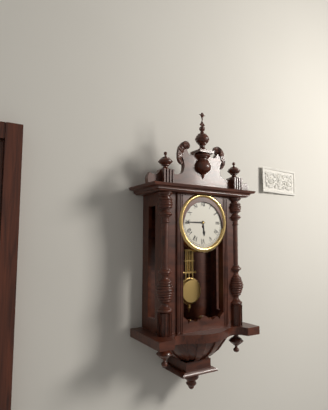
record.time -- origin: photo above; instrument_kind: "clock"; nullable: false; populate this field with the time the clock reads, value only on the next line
5:45
